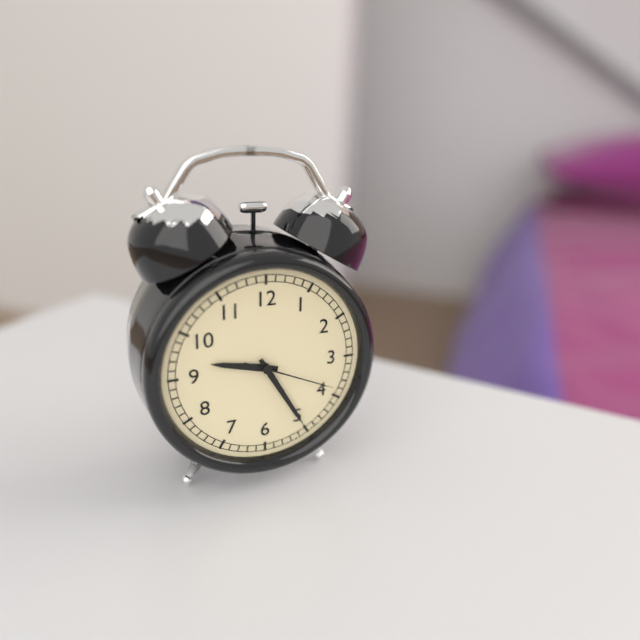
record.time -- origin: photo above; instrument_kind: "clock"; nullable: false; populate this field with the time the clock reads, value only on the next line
9:25:19
